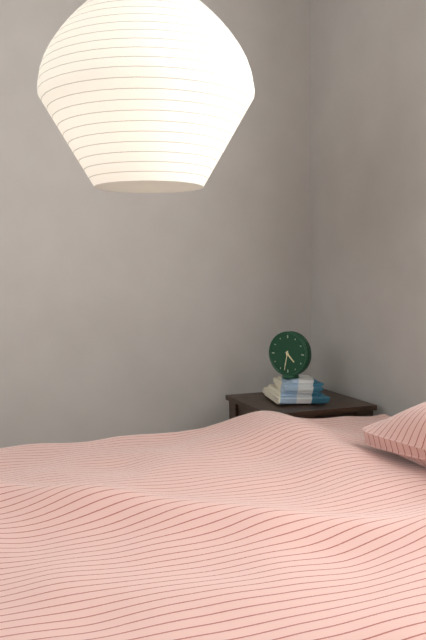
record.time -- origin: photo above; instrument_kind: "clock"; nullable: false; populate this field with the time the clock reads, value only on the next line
4:32
